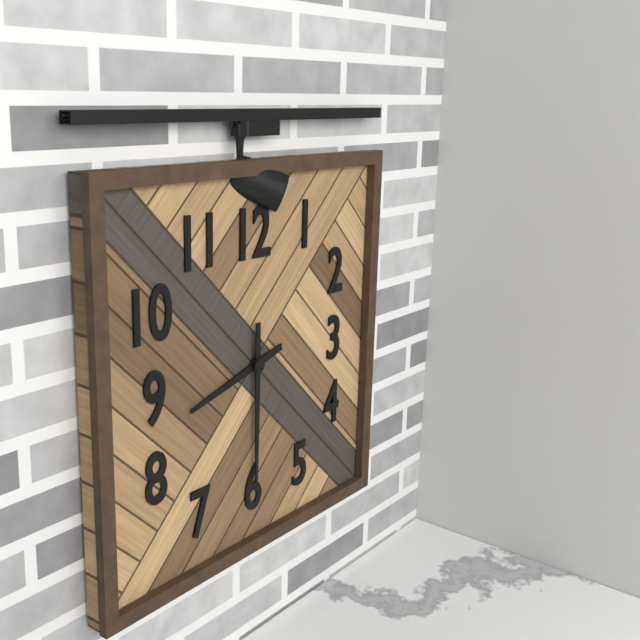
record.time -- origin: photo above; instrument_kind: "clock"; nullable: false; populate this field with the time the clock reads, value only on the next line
8:30
